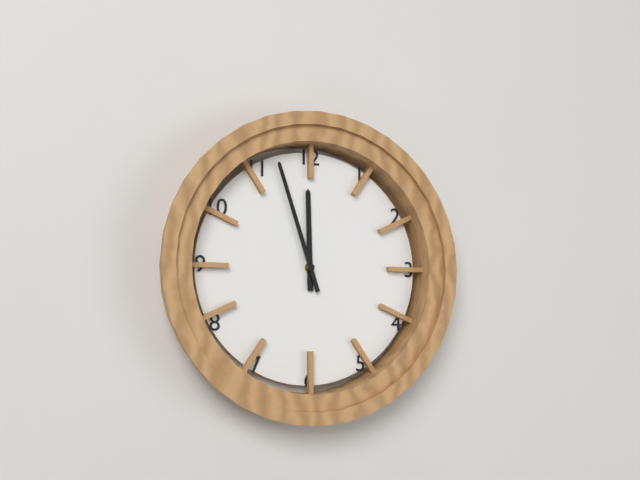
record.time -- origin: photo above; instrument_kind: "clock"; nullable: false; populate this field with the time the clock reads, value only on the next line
11:57
